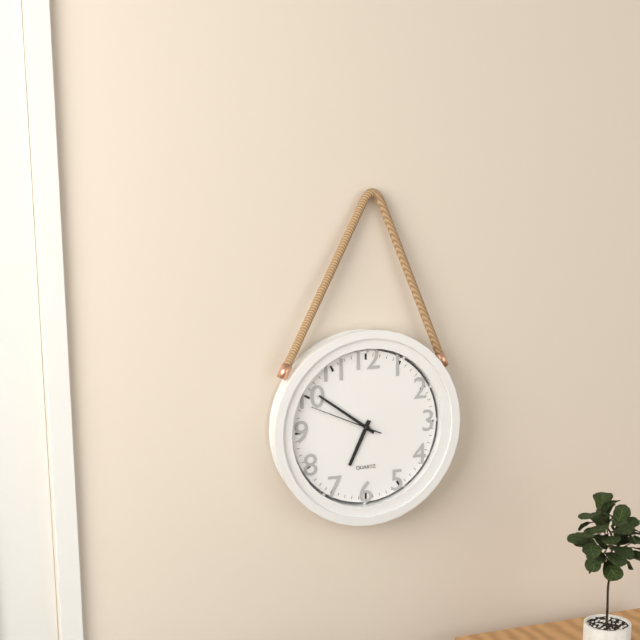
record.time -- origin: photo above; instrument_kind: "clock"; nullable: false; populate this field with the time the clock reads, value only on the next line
6:51:49
